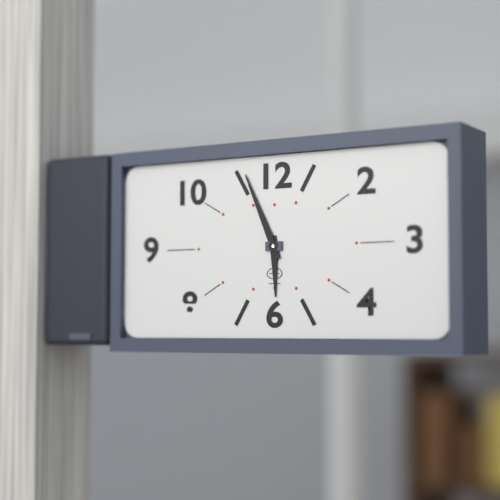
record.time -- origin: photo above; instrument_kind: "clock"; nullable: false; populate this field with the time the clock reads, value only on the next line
5:56
